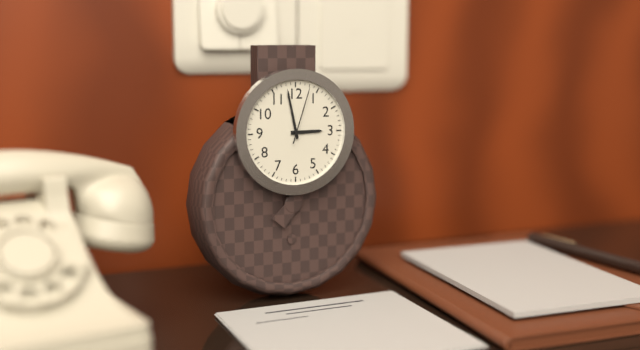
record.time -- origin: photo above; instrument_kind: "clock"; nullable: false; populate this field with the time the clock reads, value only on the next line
2:58:03
